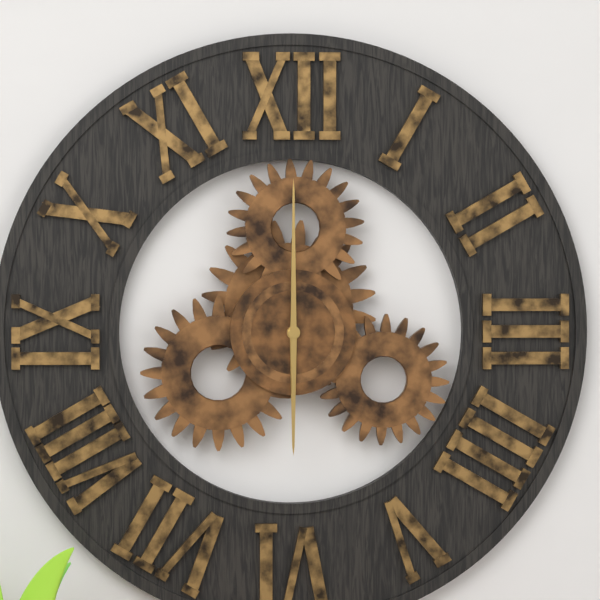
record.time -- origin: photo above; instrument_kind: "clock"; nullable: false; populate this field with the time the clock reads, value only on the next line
6:00
